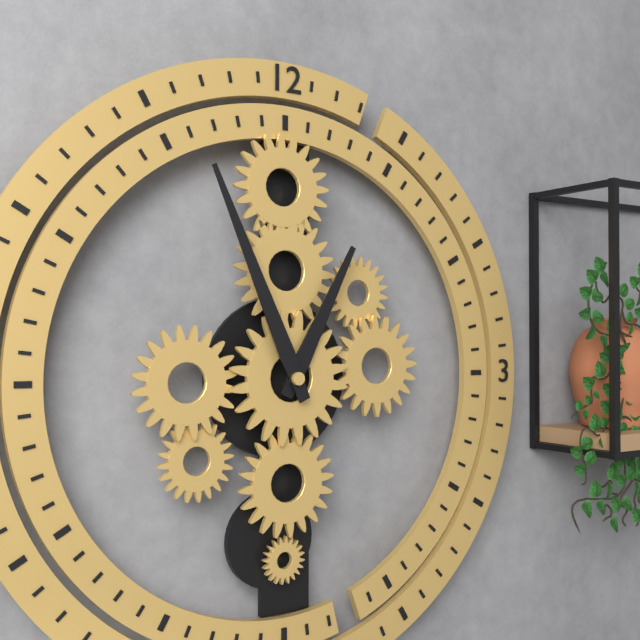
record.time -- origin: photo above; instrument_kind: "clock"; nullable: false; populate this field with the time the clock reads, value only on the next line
12:56
